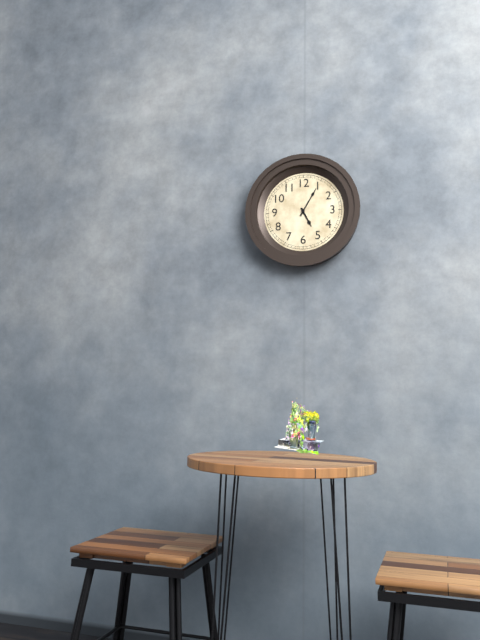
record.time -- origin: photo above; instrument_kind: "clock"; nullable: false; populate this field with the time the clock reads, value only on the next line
5:05
